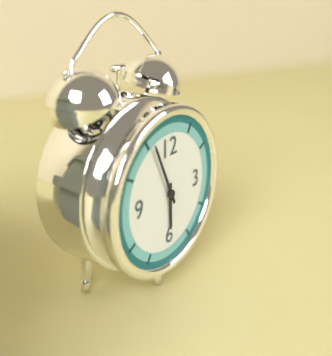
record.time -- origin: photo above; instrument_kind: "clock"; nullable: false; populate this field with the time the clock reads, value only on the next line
5:56
